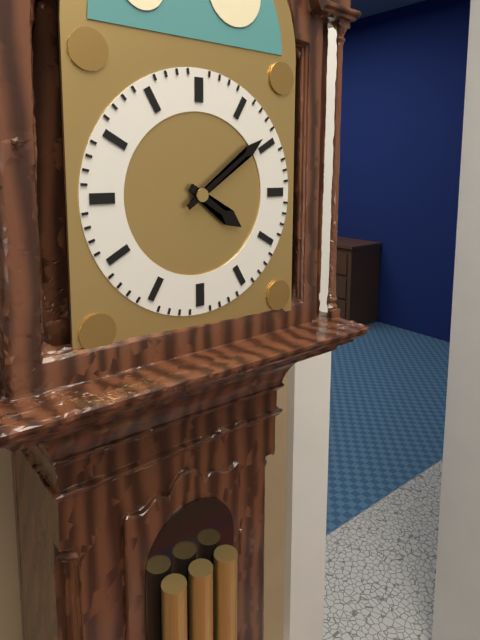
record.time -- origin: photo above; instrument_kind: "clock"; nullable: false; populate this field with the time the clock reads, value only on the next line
4:09
